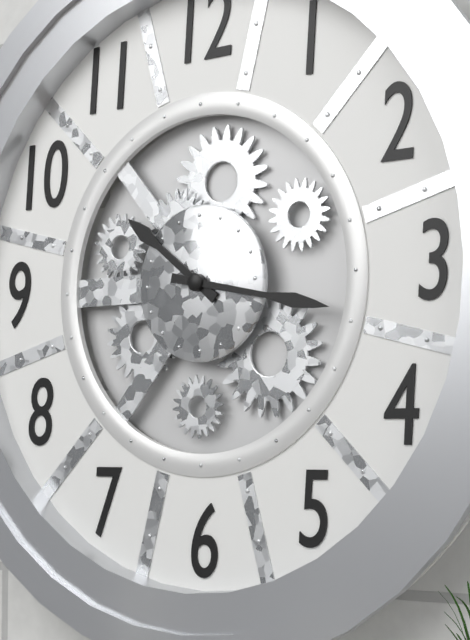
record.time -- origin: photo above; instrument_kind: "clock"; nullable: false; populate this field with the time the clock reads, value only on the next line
10:17
